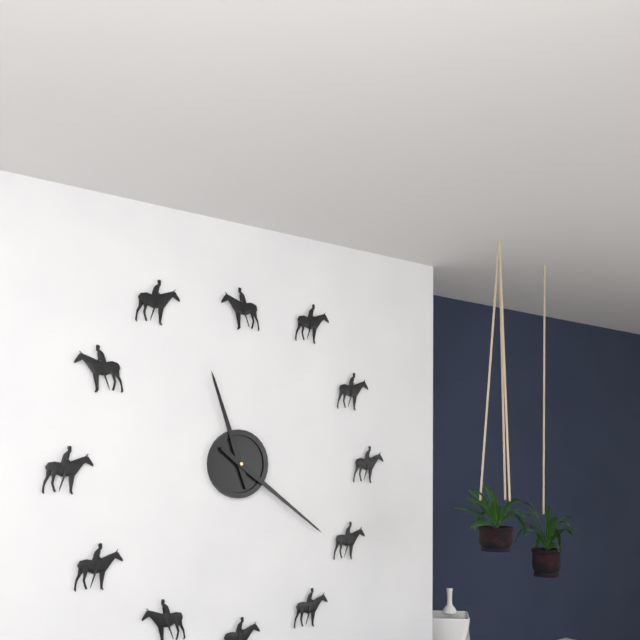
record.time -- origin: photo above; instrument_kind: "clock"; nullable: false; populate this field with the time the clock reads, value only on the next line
11:21
